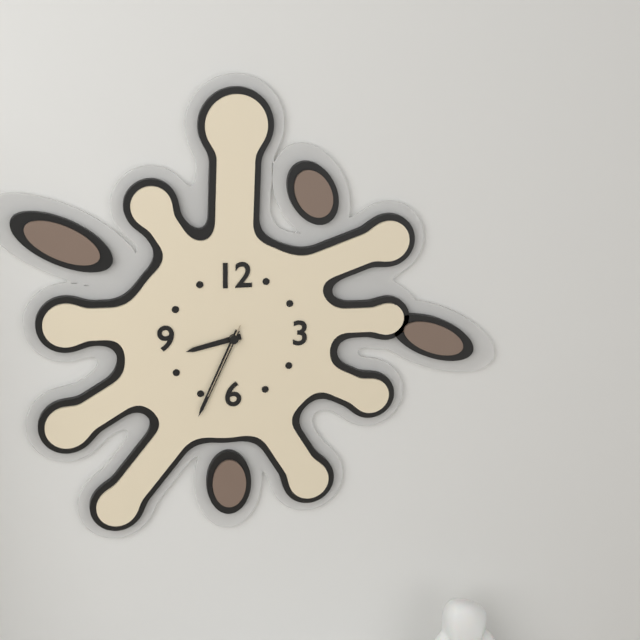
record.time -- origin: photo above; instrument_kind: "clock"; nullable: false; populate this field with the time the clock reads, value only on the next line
8:34:34
